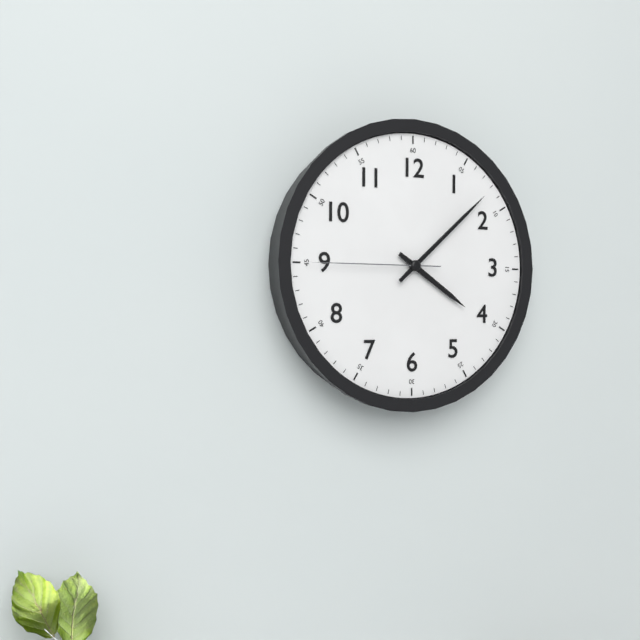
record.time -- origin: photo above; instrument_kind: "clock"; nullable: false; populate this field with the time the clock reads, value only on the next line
4:08:45
